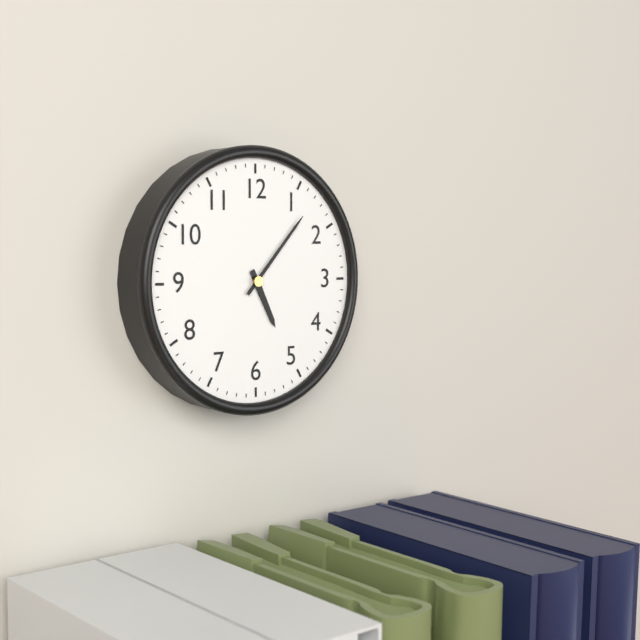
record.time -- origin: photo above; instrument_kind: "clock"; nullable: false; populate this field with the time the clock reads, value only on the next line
5:07
